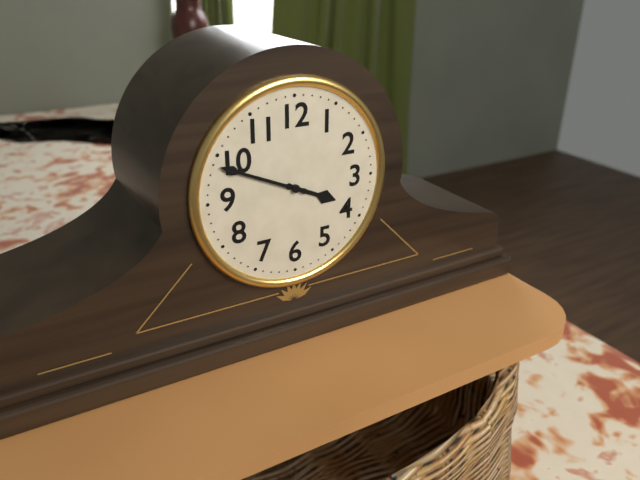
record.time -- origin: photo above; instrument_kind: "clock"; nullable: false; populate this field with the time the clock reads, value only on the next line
3:49
